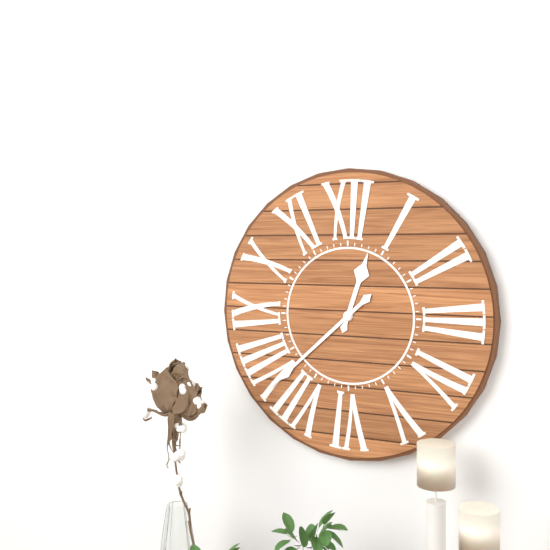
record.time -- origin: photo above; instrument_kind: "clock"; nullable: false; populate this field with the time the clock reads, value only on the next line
12:38
